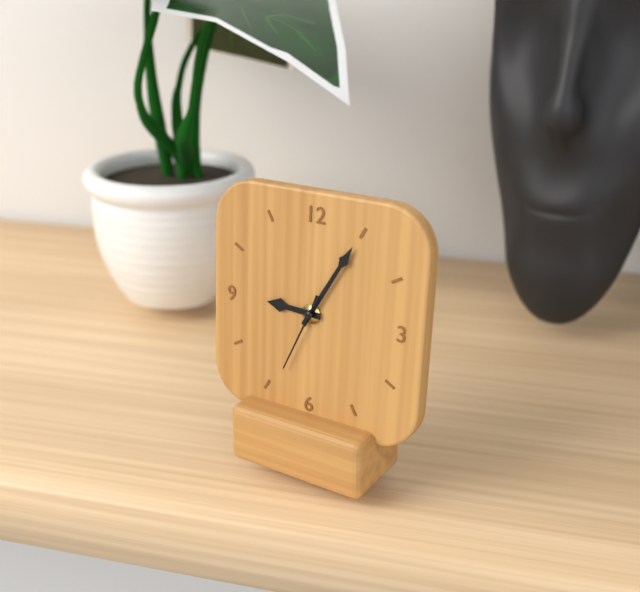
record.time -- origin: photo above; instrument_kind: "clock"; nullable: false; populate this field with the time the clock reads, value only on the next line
9:05:34
